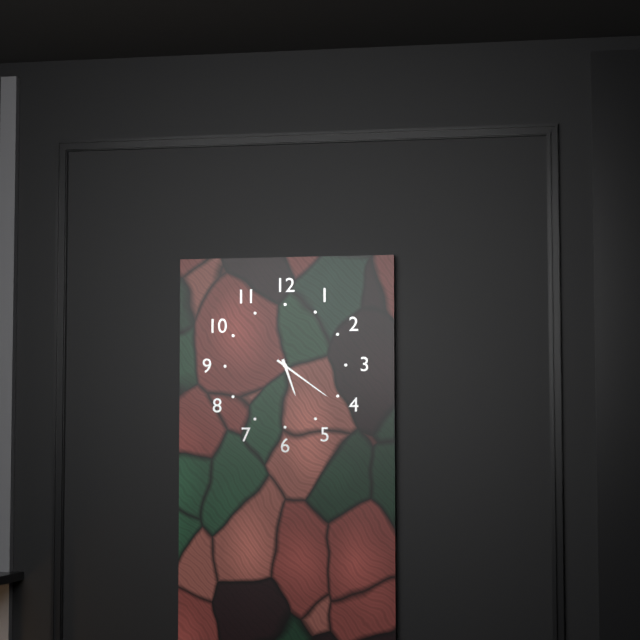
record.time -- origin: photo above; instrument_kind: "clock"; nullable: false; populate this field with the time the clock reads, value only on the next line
5:21
